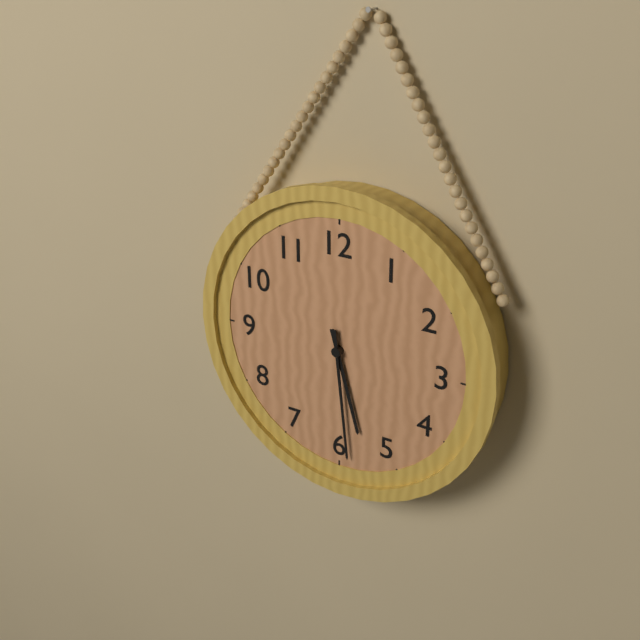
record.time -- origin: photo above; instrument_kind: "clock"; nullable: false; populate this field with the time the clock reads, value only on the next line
5:29
